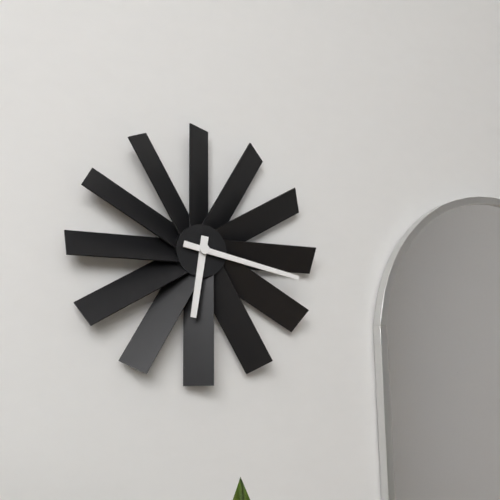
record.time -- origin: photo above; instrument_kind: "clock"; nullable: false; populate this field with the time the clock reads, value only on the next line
6:17
